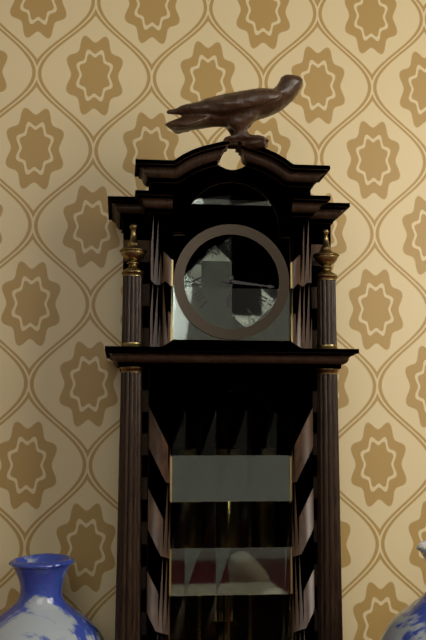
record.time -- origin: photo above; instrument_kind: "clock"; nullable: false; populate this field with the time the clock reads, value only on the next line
6:16
